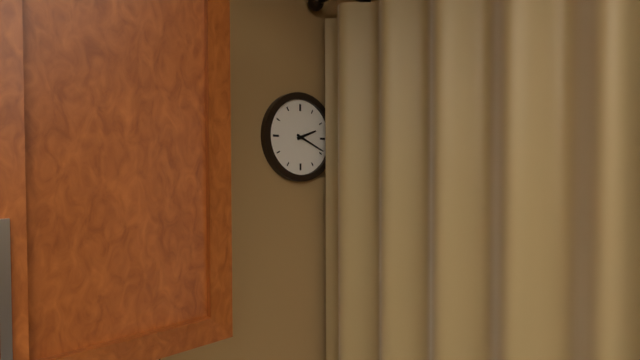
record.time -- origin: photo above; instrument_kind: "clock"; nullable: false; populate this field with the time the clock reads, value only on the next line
2:19
